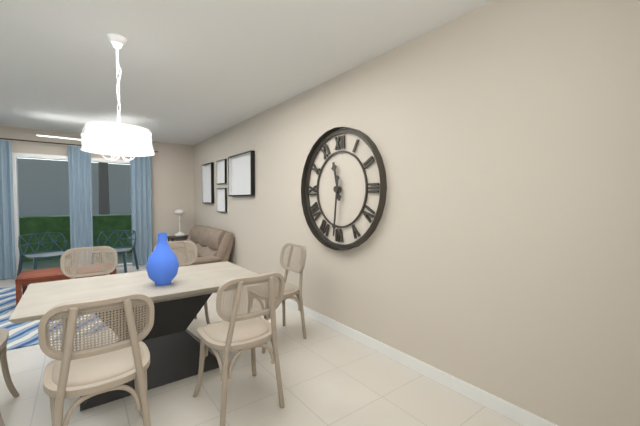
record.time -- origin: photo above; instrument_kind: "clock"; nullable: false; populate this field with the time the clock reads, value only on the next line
11:31
